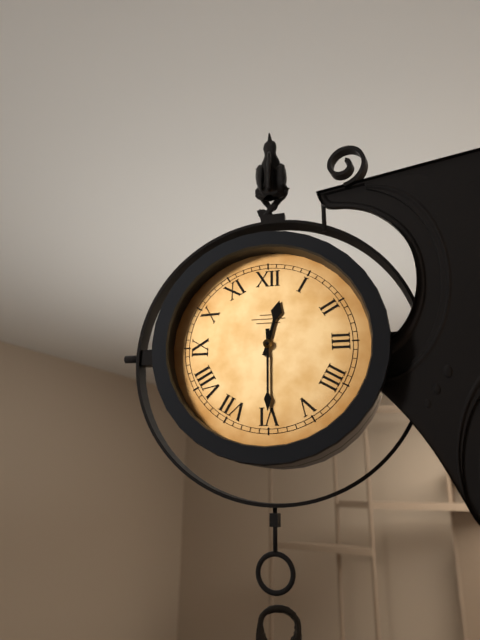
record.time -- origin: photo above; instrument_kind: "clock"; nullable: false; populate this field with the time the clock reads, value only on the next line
12:30
